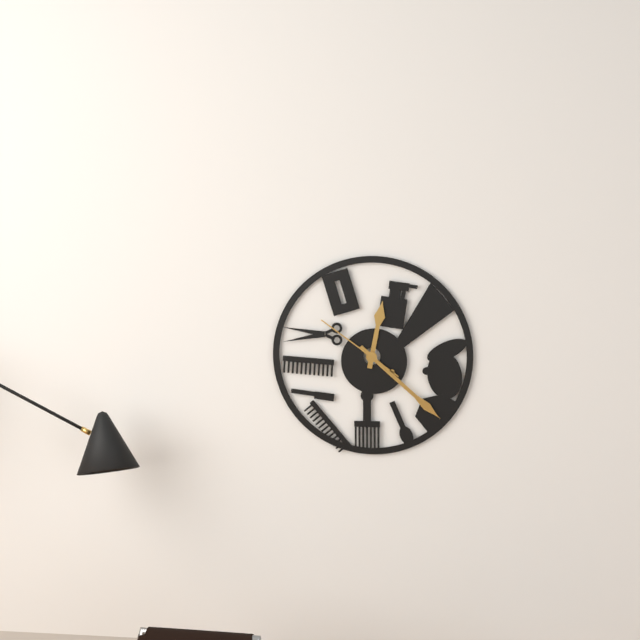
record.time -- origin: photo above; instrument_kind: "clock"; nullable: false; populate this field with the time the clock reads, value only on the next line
12:22:51
